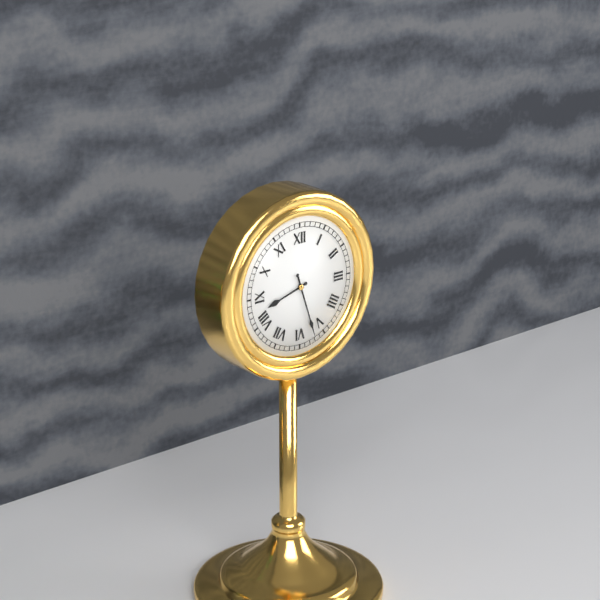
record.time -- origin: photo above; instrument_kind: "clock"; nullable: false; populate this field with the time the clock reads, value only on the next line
8:27
